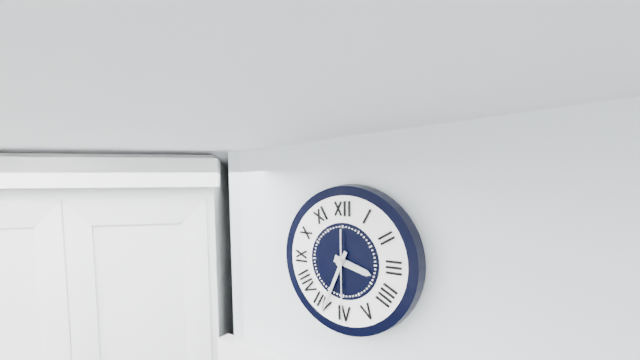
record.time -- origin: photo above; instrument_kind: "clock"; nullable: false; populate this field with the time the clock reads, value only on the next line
3:34:30
